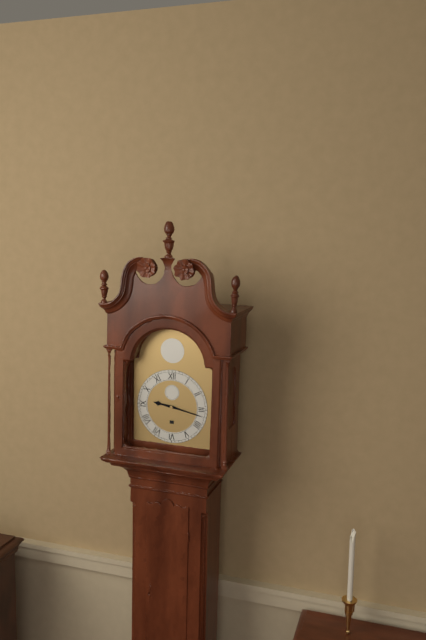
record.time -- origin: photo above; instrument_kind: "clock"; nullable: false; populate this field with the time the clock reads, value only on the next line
9:17
